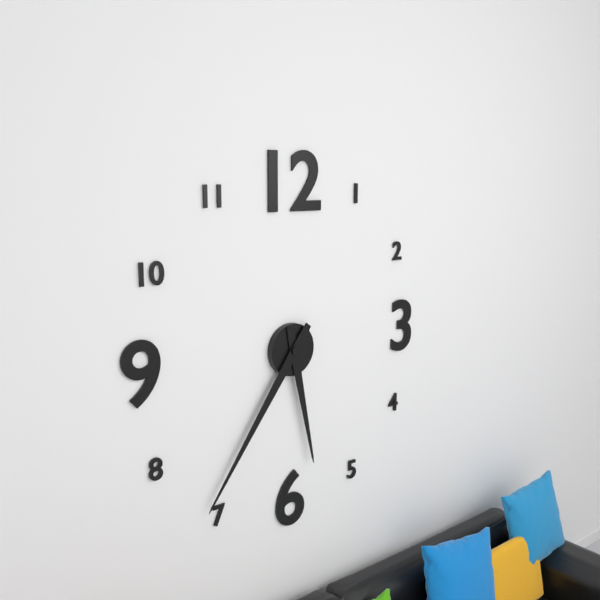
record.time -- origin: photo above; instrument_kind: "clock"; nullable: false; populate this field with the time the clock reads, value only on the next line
5:36
